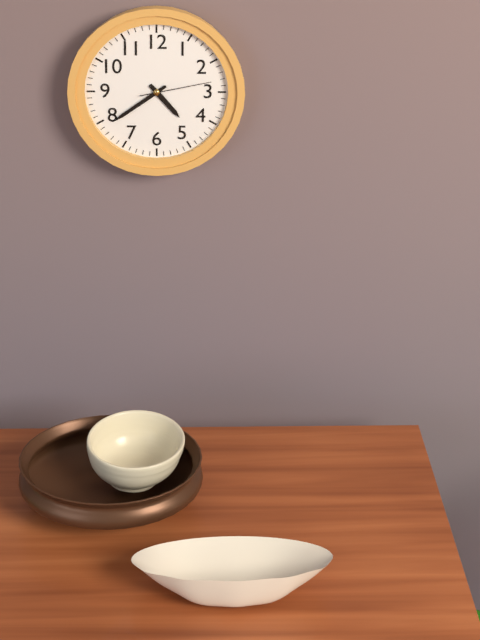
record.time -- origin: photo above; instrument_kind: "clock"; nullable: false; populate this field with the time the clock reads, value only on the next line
4:39:13
